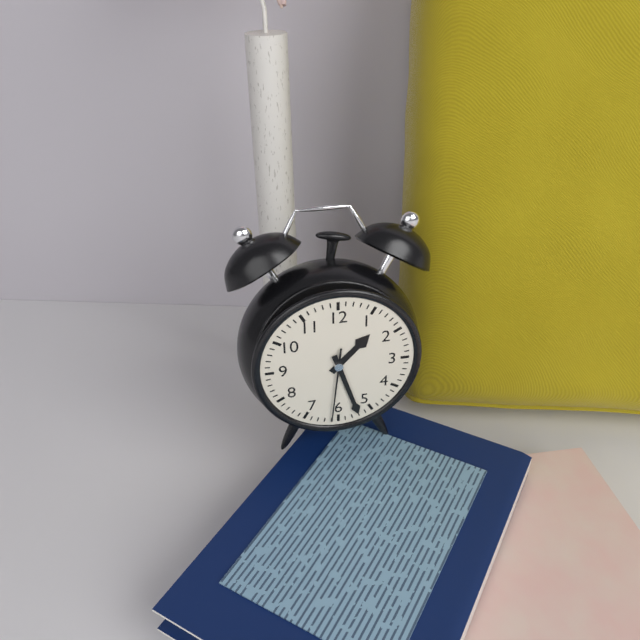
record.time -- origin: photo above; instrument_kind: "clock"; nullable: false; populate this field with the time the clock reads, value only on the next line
1:27:31
